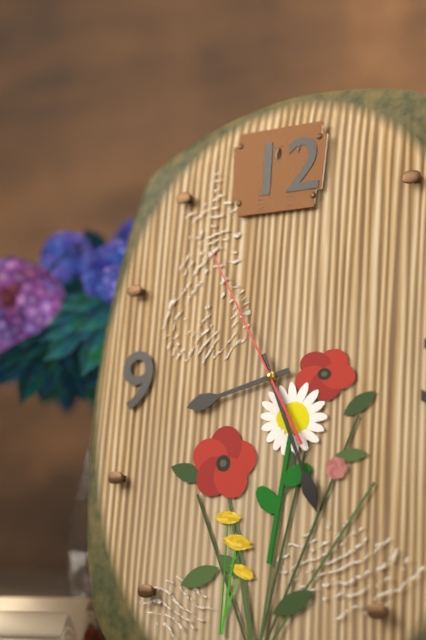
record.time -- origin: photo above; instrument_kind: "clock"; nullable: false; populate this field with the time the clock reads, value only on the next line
8:26:55
